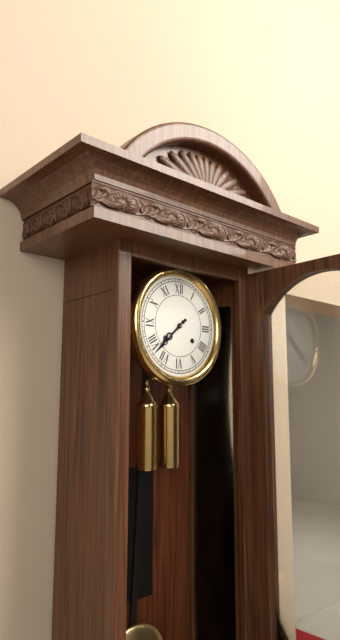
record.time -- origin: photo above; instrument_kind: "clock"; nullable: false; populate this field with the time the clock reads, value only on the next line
7:38
